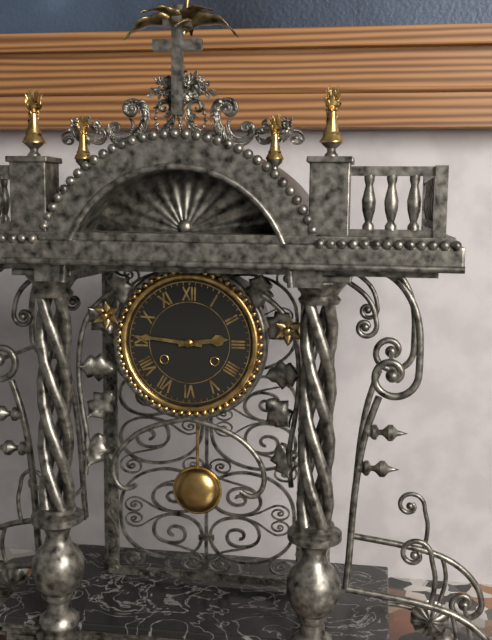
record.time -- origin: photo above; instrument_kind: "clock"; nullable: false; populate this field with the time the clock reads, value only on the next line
2:46
